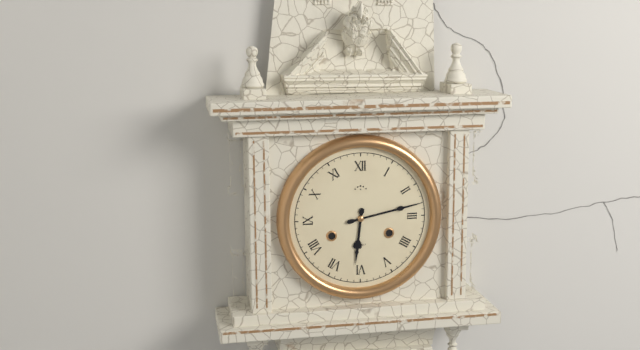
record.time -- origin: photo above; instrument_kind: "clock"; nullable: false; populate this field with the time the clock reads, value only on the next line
6:13
